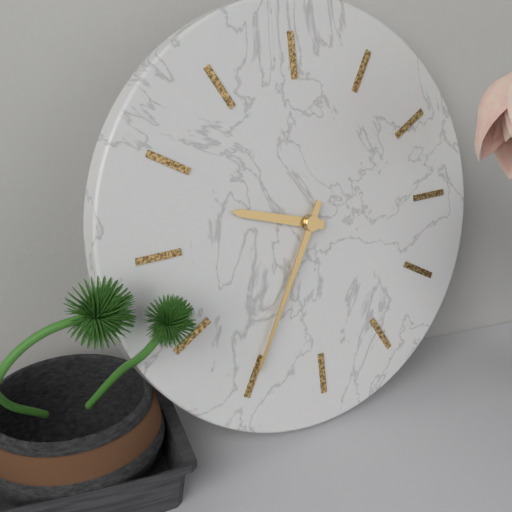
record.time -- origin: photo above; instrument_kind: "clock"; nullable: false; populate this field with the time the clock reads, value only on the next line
9:35
